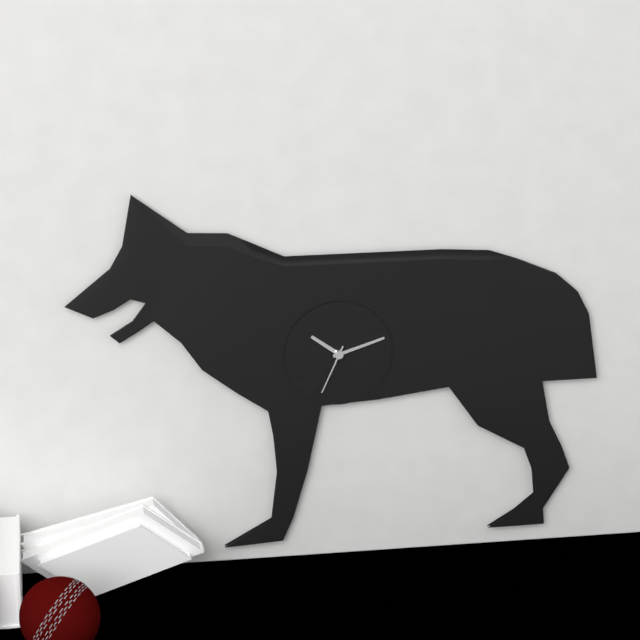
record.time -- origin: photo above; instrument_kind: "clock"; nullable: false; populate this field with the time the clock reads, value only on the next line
10:12:34
